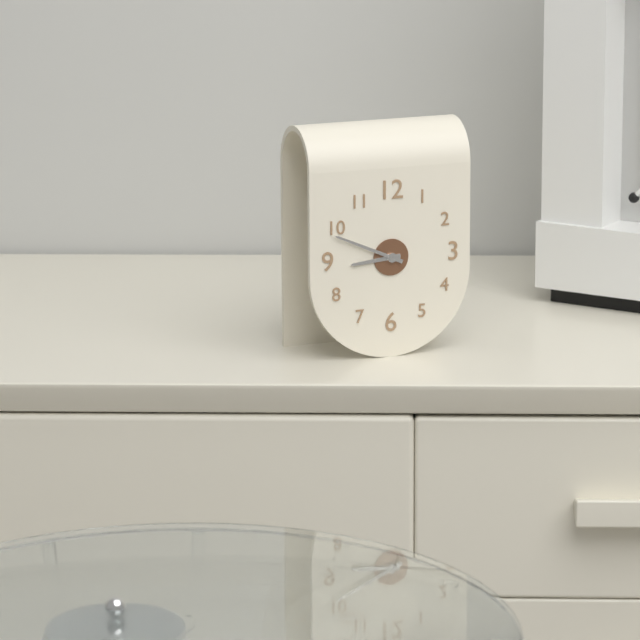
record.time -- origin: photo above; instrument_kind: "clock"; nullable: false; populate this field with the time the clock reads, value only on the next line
8:49
